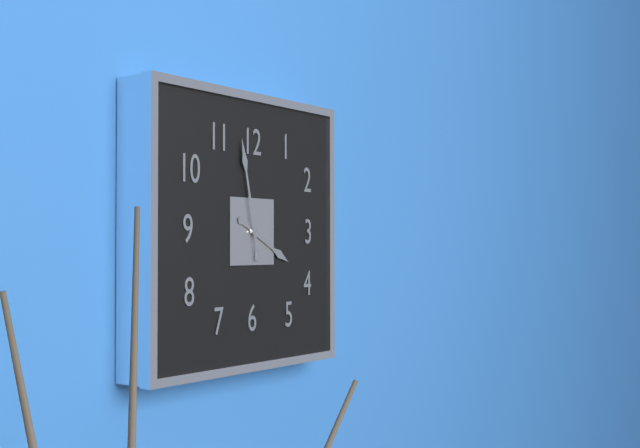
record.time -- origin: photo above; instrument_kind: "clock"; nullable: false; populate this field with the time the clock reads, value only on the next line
3:58
